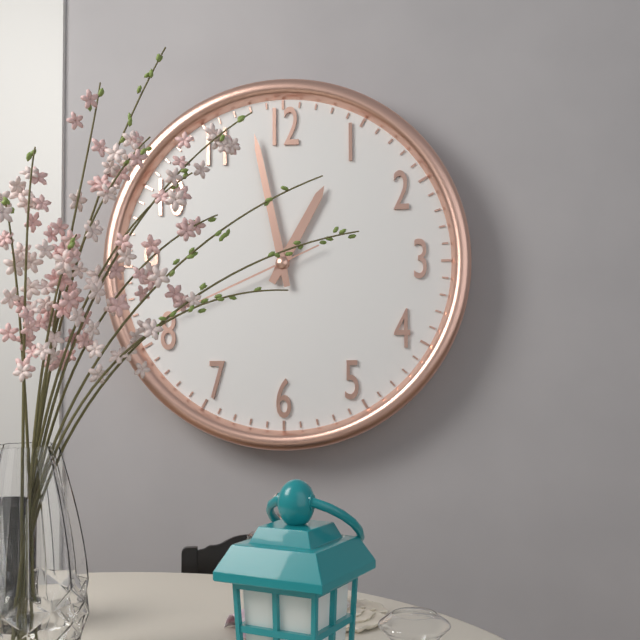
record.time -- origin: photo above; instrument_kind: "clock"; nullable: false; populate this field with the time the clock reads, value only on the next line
12:58:41
